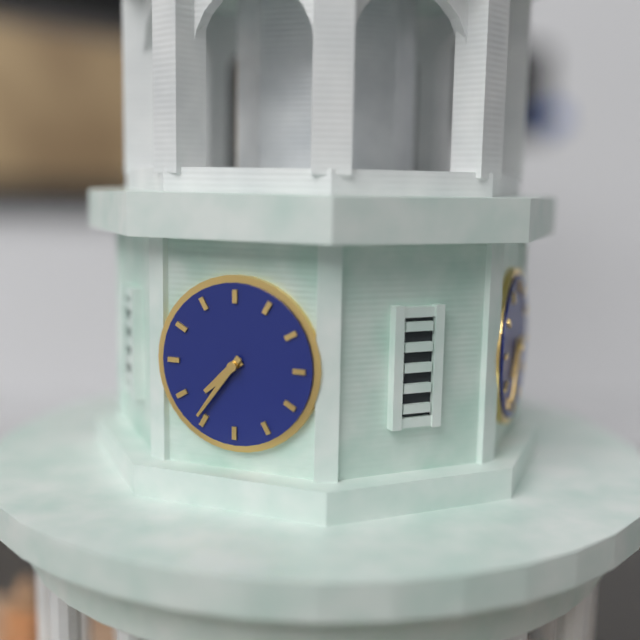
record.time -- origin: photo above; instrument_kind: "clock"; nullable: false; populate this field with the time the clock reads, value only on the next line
7:36
